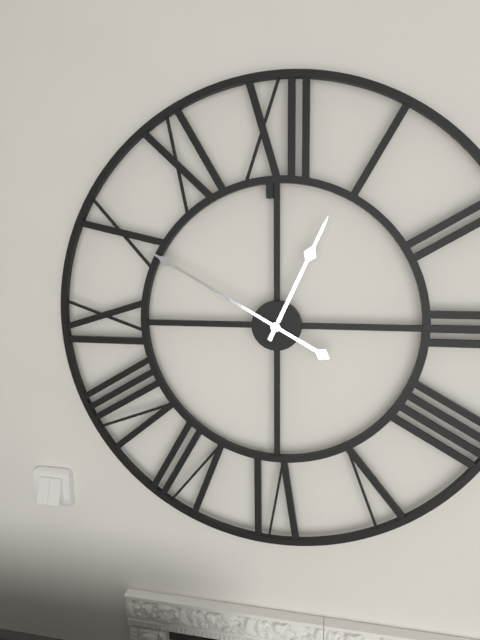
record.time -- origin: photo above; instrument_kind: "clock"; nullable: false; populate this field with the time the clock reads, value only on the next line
12:50
